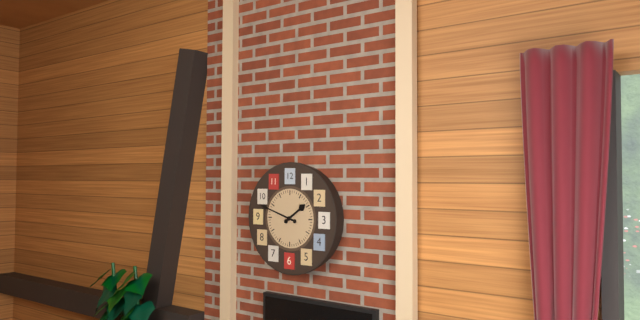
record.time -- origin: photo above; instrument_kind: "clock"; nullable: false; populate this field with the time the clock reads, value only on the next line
1:48
